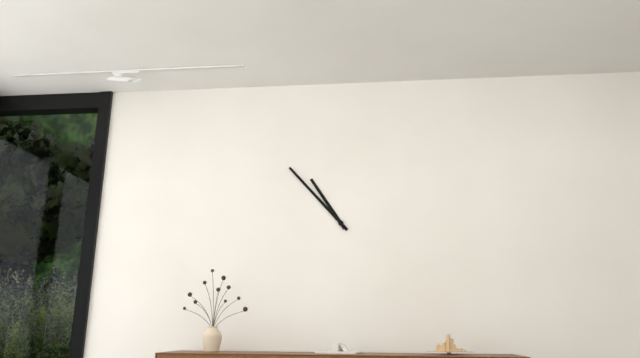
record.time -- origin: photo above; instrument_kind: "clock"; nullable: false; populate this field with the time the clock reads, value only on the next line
10:53
